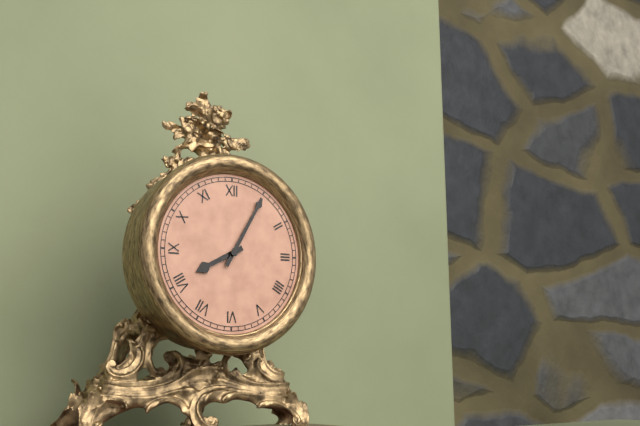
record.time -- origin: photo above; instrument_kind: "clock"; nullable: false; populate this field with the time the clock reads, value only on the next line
8:05
